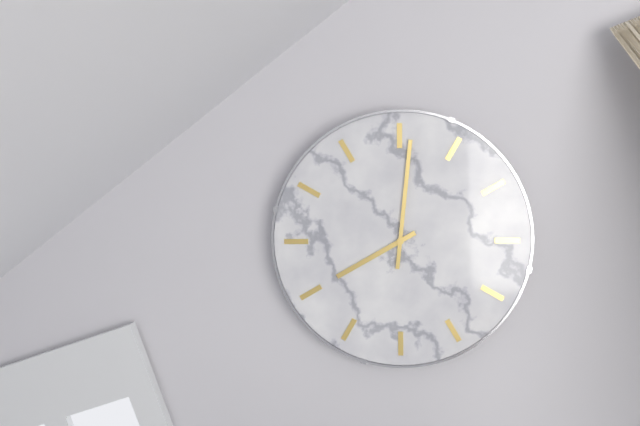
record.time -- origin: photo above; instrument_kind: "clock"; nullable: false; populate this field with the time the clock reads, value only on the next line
8:01
